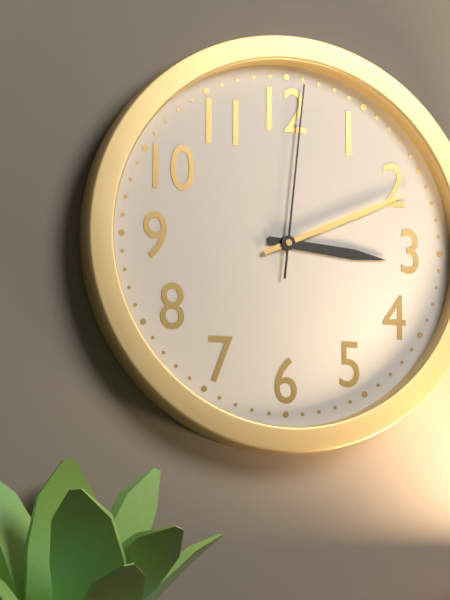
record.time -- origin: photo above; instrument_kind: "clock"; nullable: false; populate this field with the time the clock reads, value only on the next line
3:11:01
